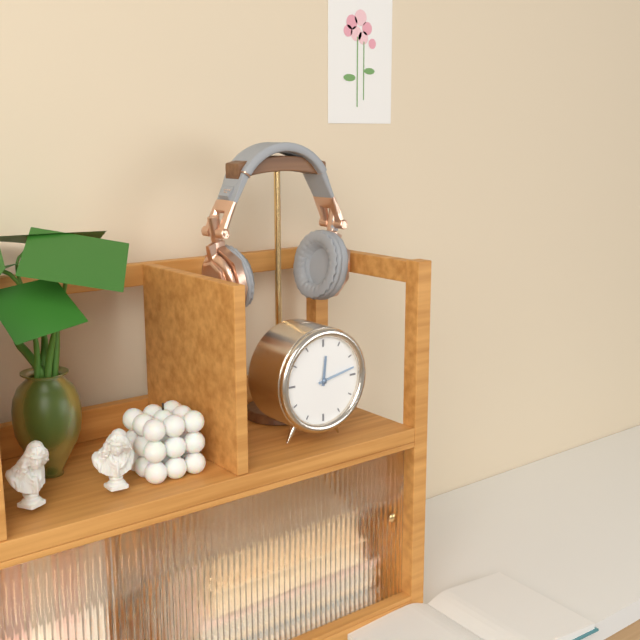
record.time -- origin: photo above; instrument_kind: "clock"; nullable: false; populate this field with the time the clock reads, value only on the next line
12:13
